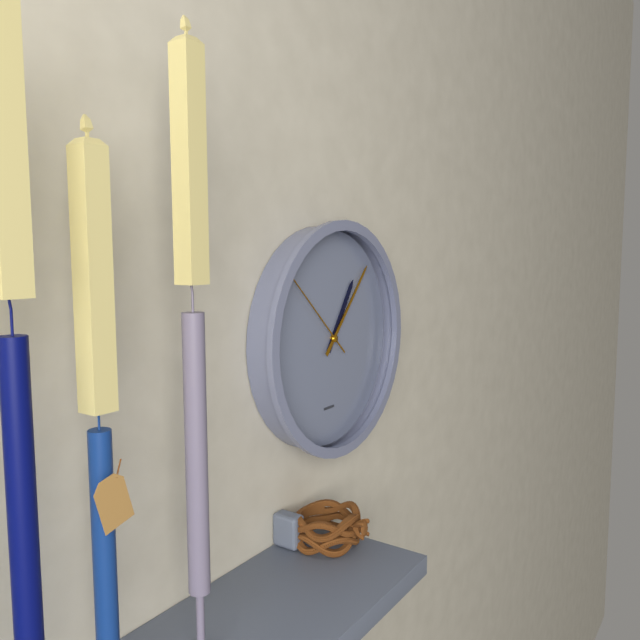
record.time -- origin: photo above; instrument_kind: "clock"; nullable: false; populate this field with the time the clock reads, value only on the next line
1:07:52
